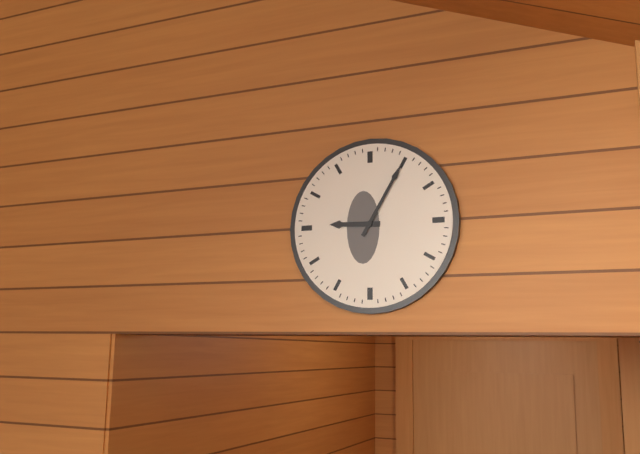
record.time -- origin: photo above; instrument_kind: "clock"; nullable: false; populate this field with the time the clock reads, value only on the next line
9:05
